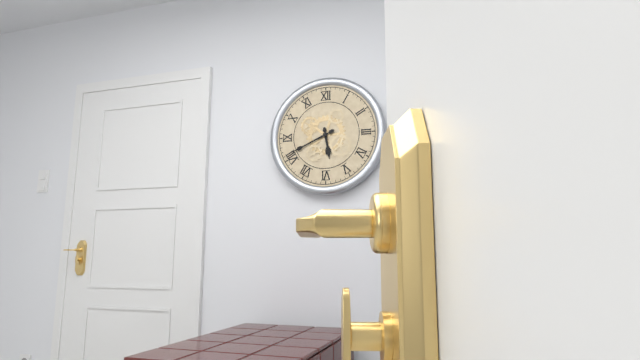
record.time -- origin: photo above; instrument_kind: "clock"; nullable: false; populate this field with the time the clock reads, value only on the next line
5:41
